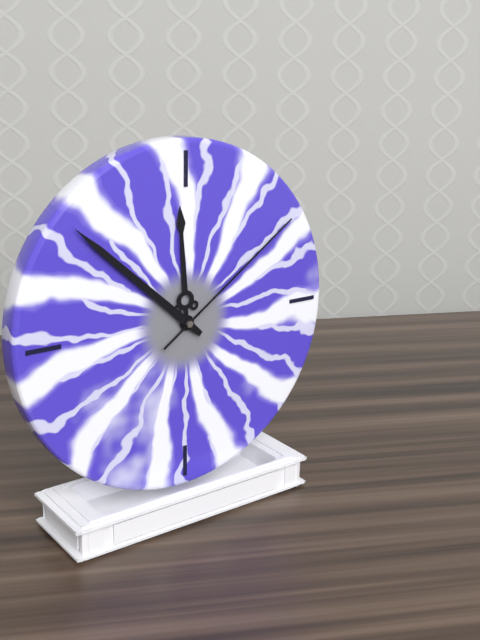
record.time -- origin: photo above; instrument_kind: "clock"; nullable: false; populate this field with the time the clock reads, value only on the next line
11:52:09
